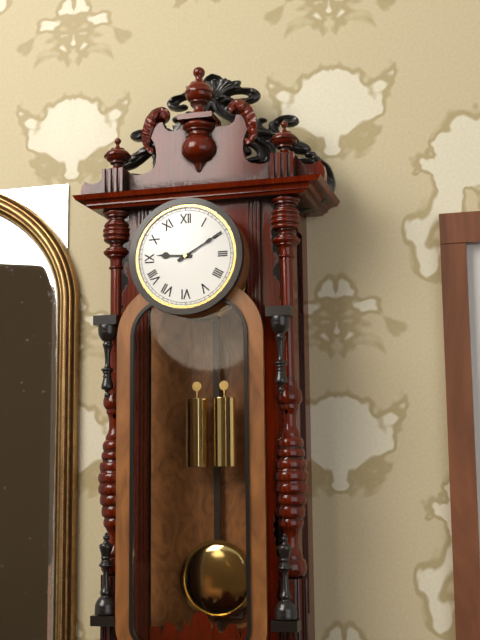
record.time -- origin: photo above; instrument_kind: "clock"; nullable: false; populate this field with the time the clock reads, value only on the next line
9:10
